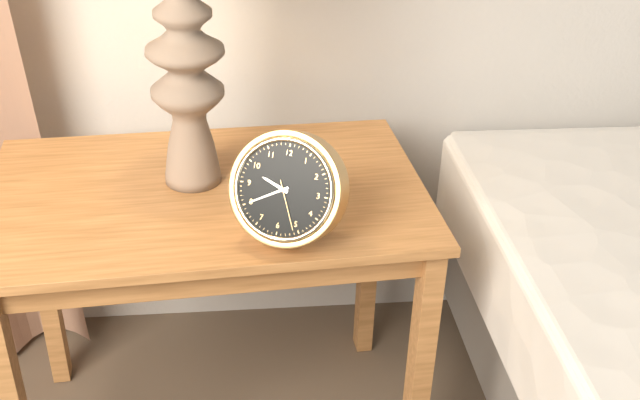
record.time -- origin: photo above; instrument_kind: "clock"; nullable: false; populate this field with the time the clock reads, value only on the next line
9:40:26
